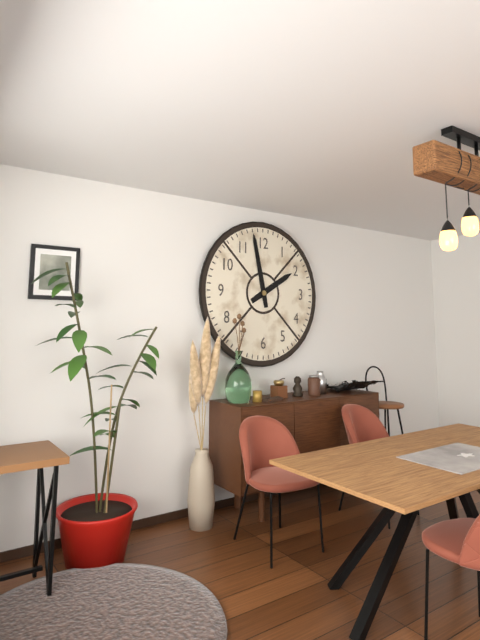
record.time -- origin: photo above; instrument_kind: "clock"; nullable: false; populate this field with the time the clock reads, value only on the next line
1:58
